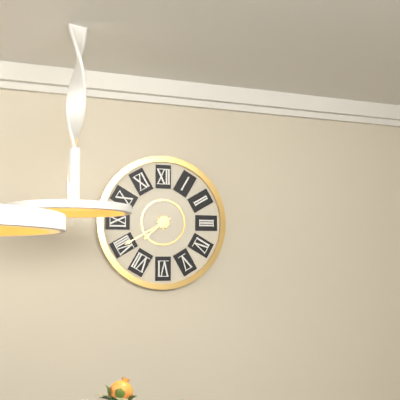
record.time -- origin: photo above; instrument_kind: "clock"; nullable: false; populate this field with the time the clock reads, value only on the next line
7:40
